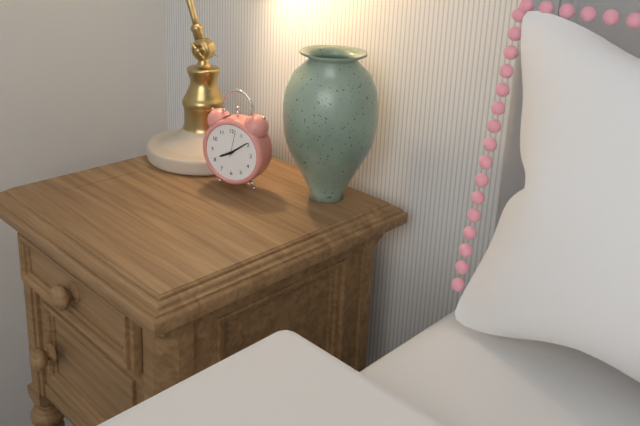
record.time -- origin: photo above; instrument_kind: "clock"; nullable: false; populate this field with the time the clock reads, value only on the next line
8:09
